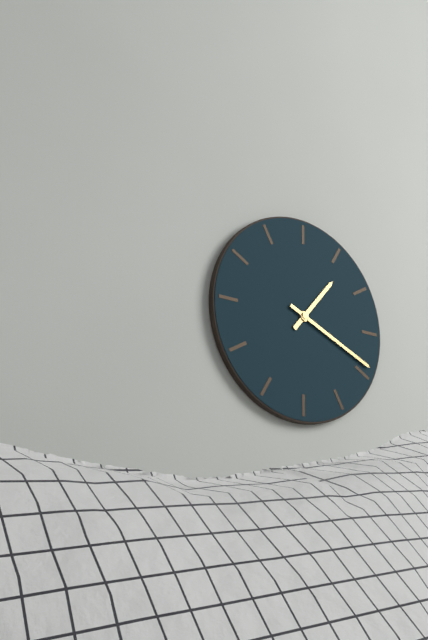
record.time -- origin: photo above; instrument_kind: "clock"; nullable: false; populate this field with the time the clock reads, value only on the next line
1:19
